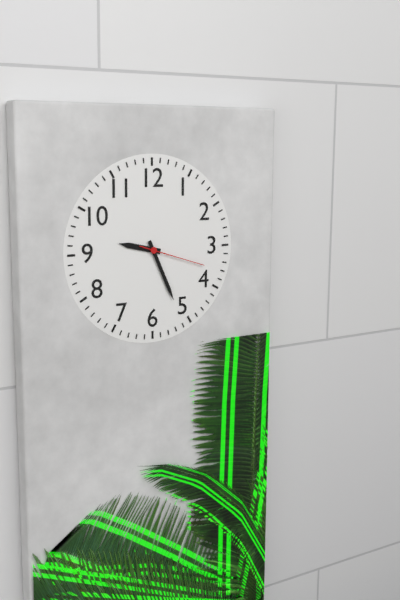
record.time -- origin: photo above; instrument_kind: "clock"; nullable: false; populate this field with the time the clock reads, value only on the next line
9:26:18
